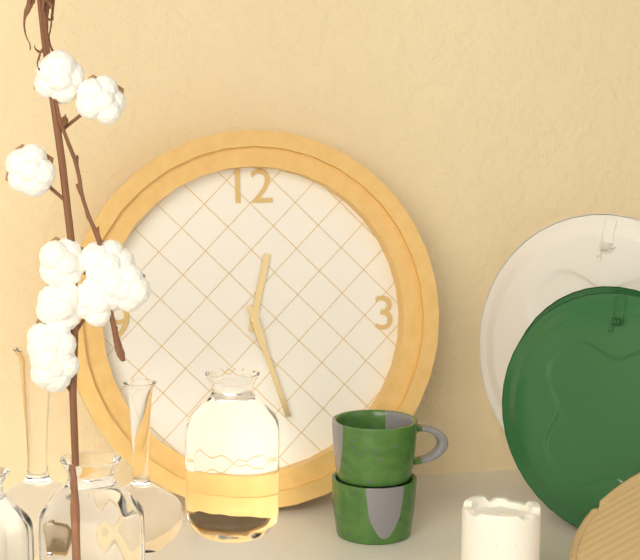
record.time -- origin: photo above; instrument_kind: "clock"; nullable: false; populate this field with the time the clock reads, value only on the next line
12:27
